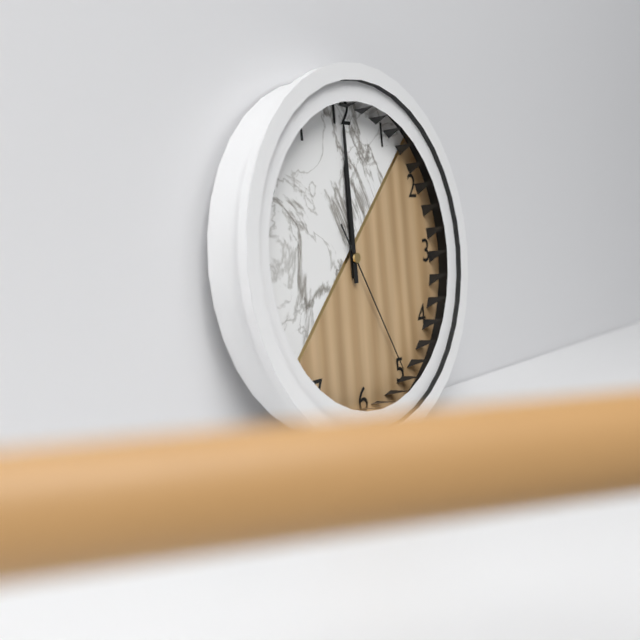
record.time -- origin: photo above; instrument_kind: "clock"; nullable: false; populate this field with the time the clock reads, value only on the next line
12:00:25
